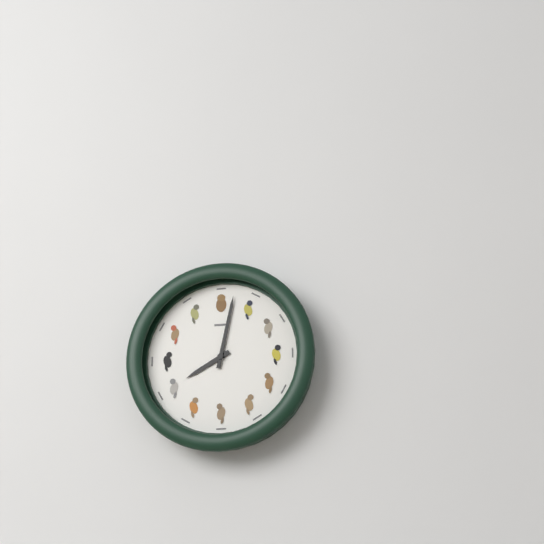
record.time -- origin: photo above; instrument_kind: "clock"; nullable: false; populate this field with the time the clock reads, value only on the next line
8:02
